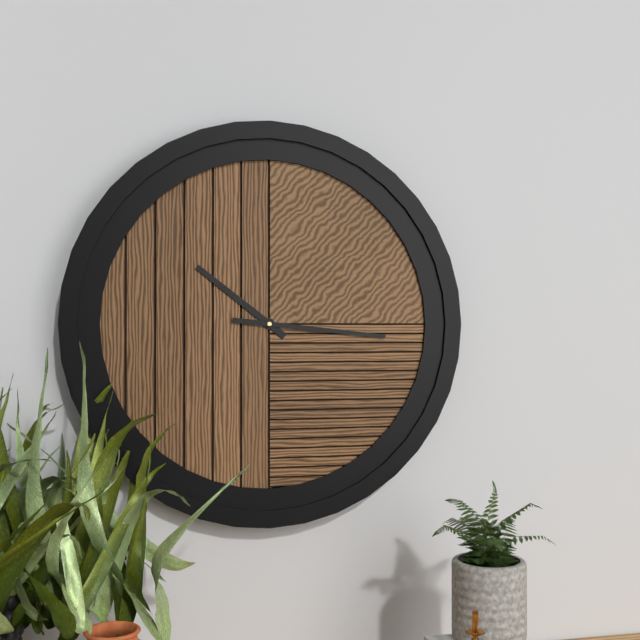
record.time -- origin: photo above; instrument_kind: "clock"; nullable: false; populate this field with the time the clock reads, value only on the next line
10:16
